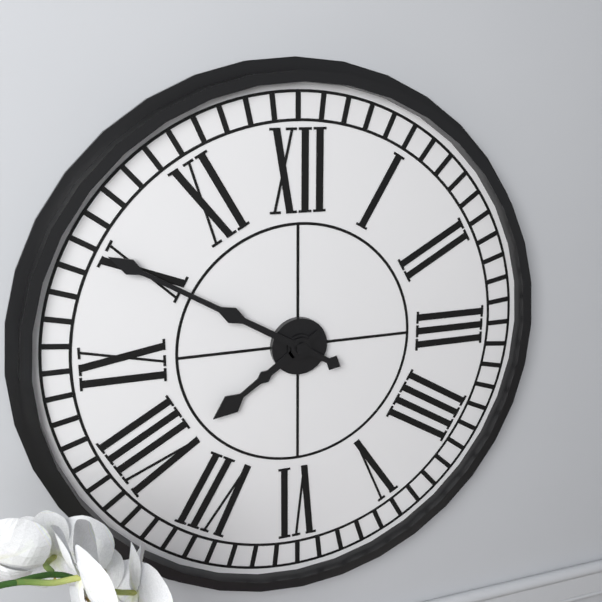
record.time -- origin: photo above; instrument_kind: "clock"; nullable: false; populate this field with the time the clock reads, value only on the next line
7:50
